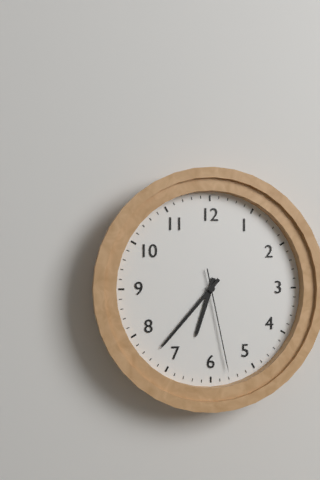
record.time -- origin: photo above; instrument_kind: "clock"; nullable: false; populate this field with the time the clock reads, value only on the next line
6:37:28
